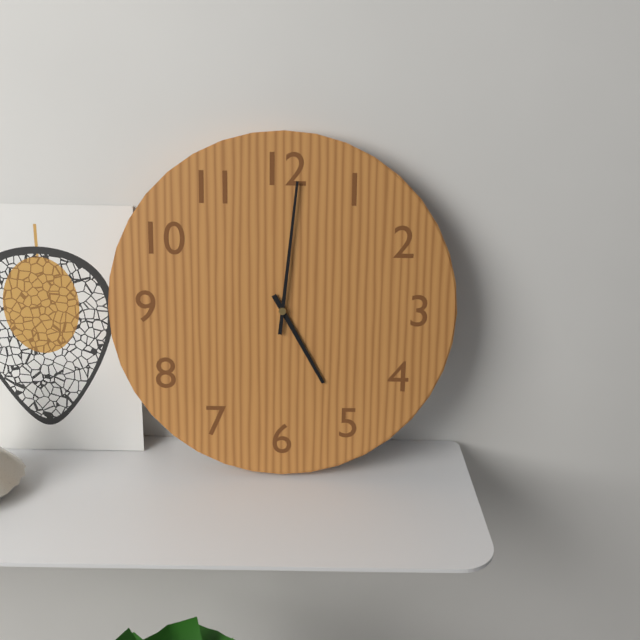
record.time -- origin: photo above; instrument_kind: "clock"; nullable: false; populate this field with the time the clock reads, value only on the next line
5:01
